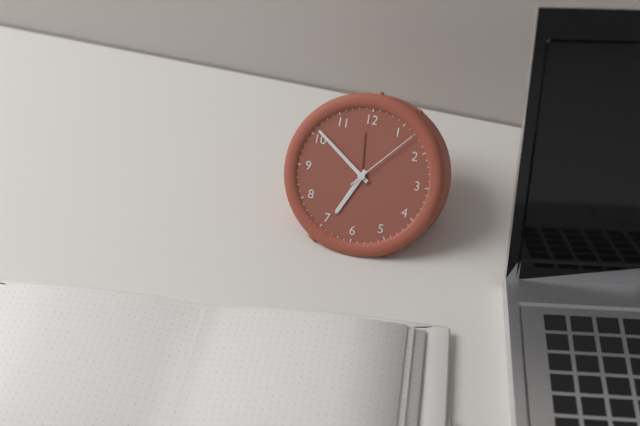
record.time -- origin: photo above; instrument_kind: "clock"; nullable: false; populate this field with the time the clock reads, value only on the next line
6:51:07
